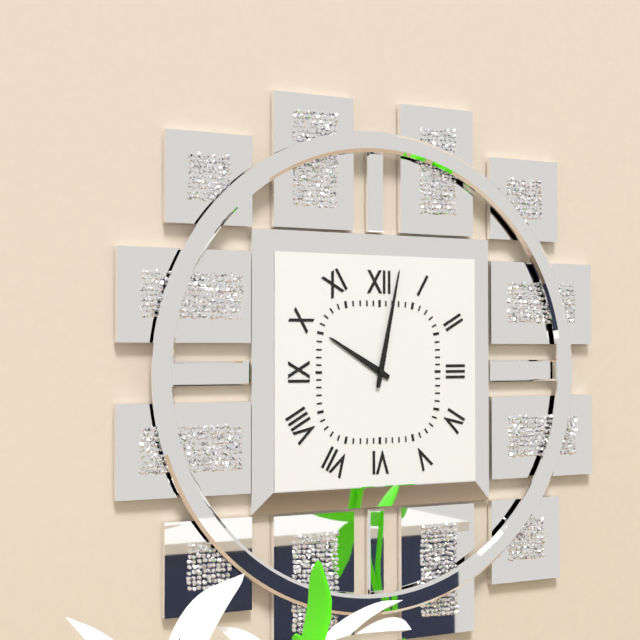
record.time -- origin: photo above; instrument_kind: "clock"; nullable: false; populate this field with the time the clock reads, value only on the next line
10:02
